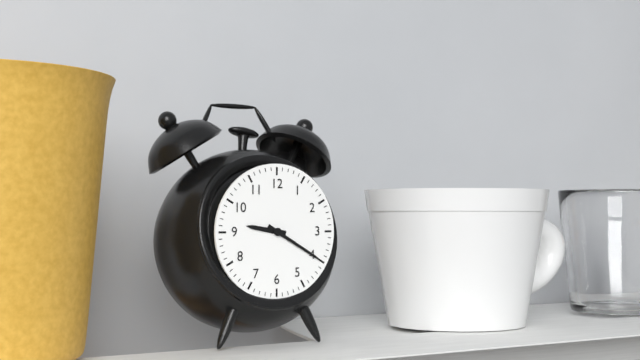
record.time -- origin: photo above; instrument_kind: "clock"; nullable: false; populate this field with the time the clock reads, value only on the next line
9:20
